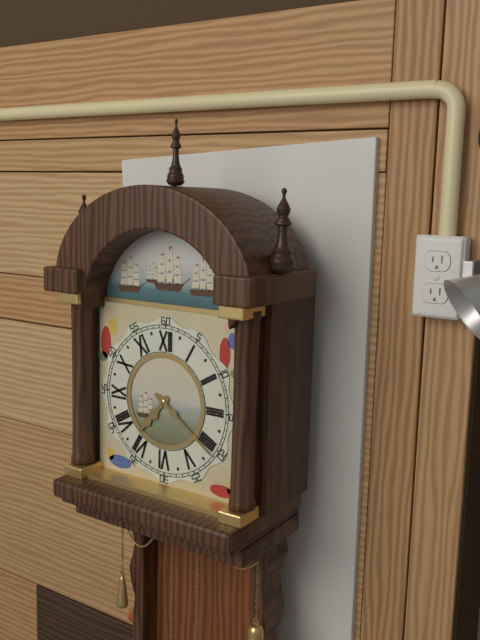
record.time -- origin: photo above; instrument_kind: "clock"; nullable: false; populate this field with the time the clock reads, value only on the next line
7:21
